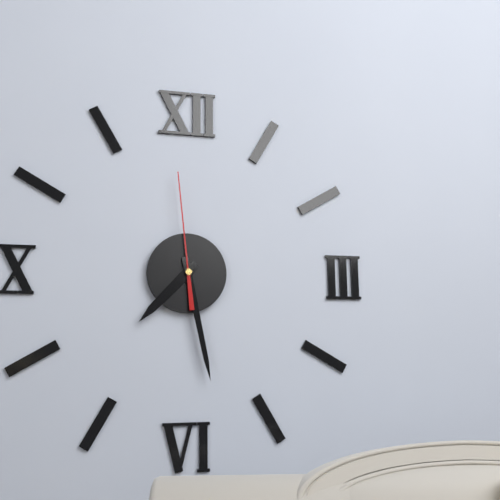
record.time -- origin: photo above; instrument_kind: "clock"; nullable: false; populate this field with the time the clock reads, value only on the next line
7:28:59
